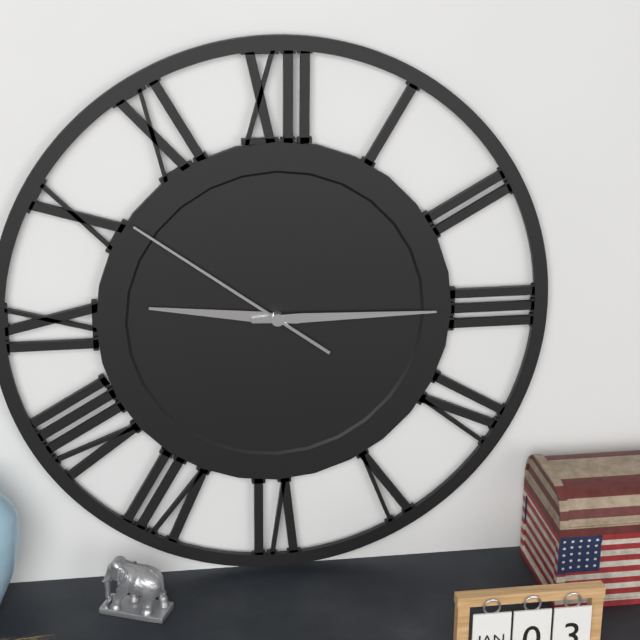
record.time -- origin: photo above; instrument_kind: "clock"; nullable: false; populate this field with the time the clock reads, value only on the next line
9:15:51
